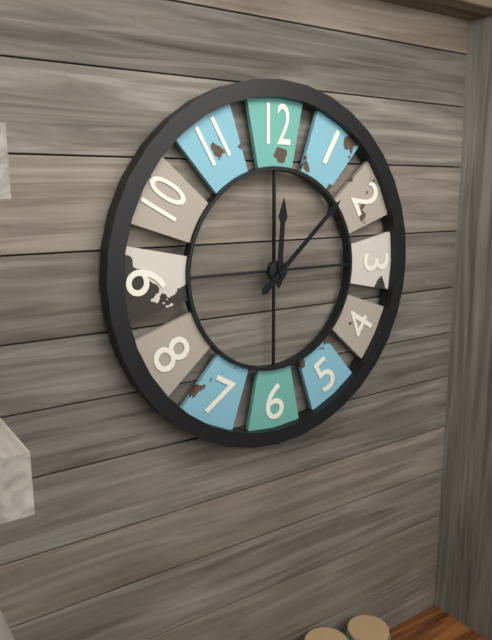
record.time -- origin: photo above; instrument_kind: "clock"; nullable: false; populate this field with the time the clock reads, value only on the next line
12:08
